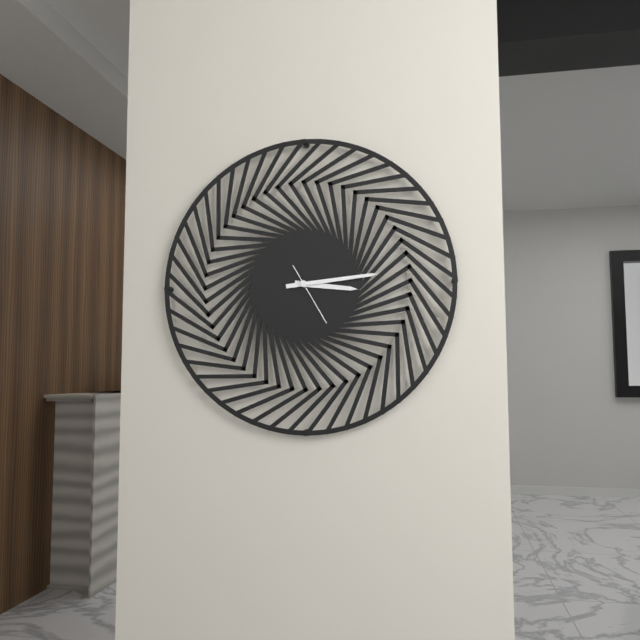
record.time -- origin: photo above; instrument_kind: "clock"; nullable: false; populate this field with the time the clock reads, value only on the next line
3:14:25
